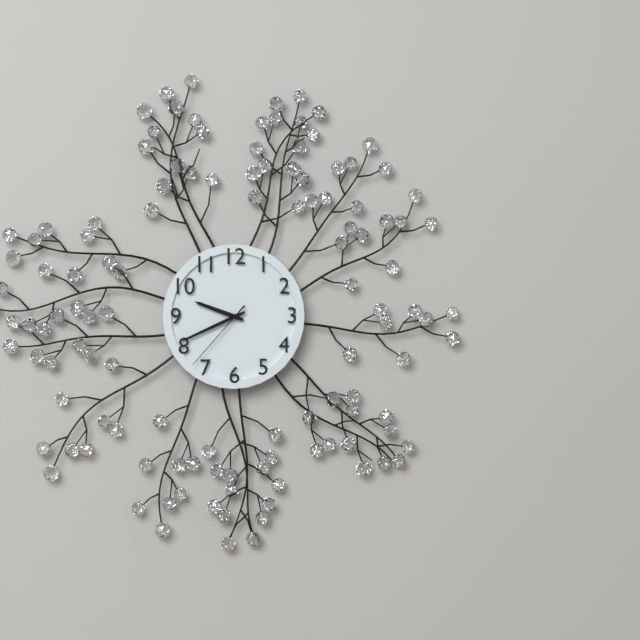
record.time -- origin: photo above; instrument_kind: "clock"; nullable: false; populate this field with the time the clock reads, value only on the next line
9:41:37
